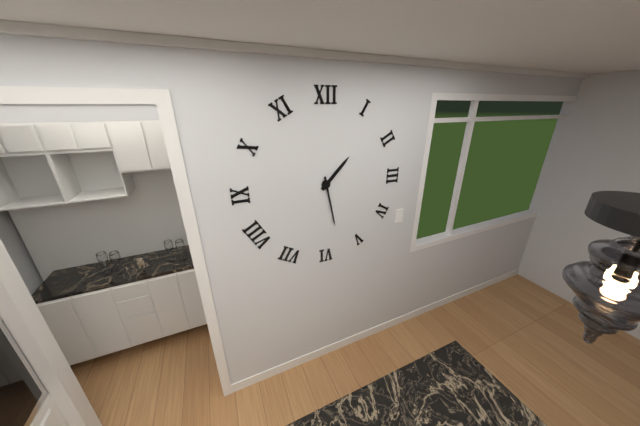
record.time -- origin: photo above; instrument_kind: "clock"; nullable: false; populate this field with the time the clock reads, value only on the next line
1:28
